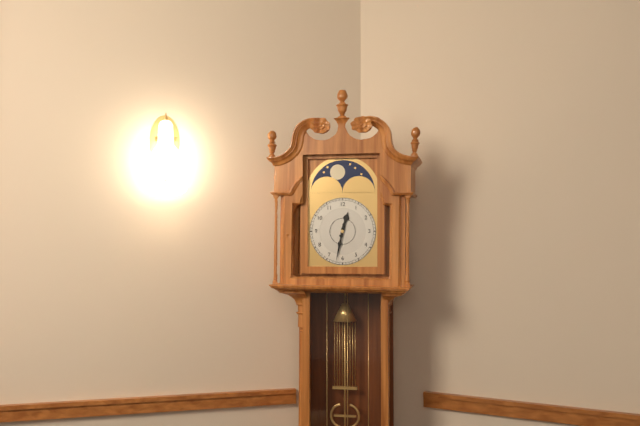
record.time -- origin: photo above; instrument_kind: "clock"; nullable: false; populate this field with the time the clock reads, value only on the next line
12:32
